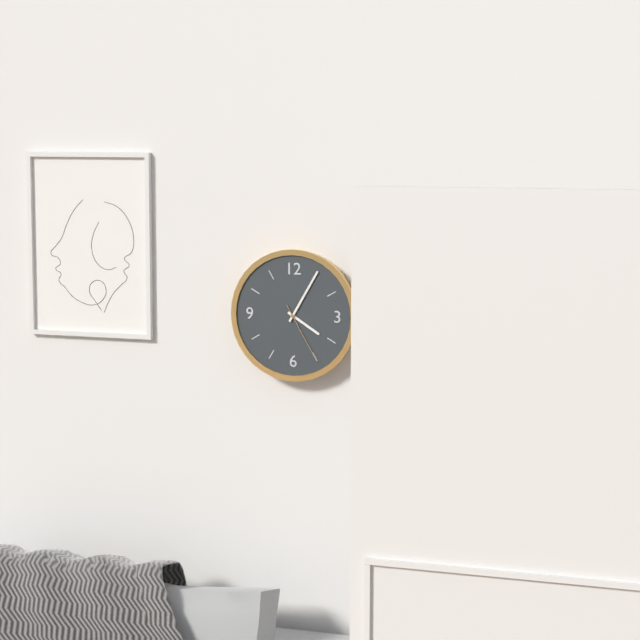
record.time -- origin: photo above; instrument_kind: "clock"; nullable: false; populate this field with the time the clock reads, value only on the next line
4:05:25
